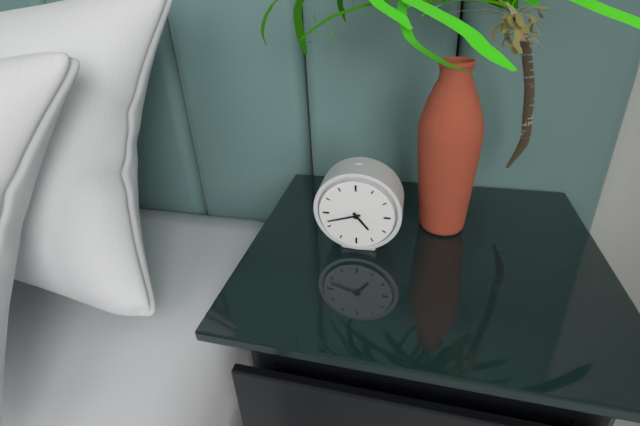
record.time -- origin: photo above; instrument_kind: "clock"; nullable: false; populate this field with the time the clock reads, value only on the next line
4:42
